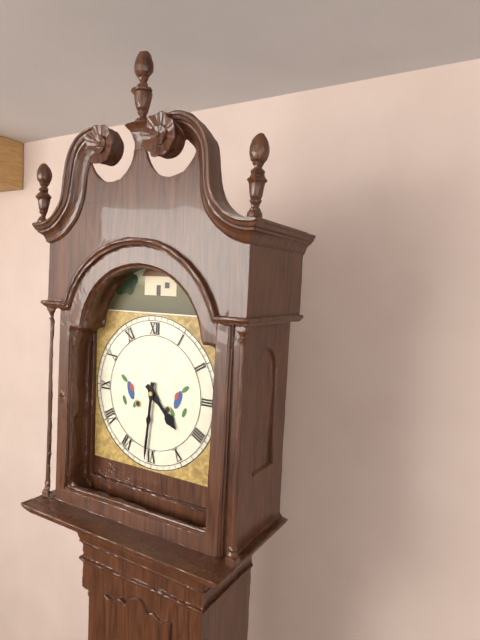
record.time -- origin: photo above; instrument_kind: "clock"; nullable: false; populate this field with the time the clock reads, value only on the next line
4:31
